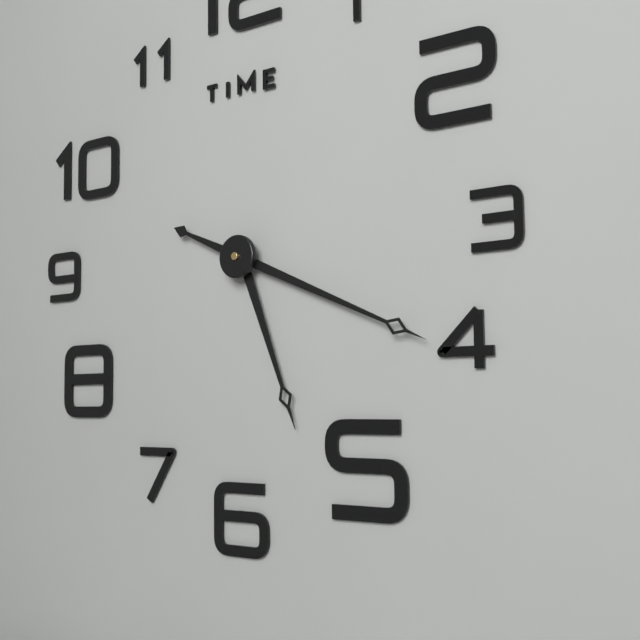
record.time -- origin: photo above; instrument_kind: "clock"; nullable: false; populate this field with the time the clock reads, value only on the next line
5:19
